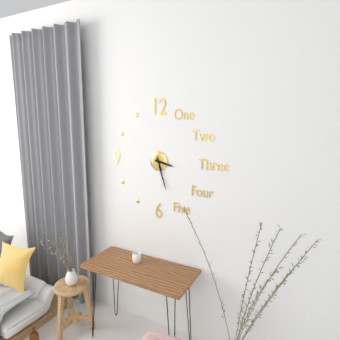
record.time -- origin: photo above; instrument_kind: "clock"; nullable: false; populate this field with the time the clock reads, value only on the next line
3:27
